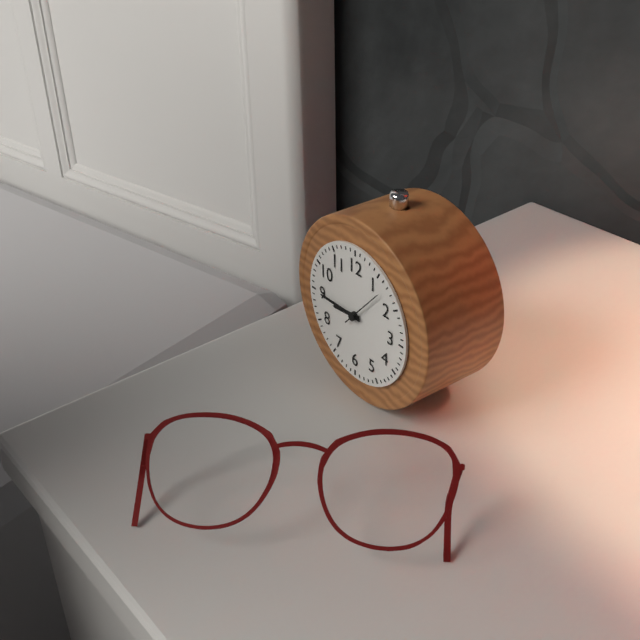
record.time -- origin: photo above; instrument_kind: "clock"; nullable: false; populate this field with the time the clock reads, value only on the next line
8:45
